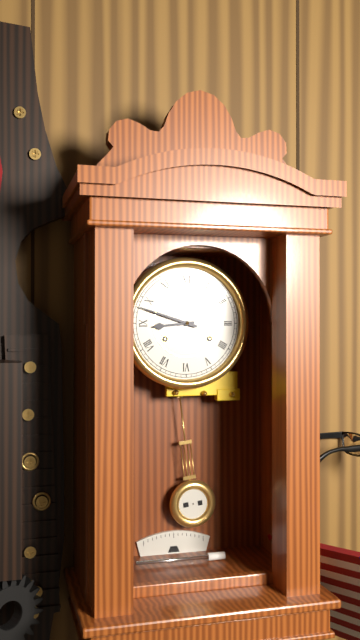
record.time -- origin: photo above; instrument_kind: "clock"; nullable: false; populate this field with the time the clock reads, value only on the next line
8:48
